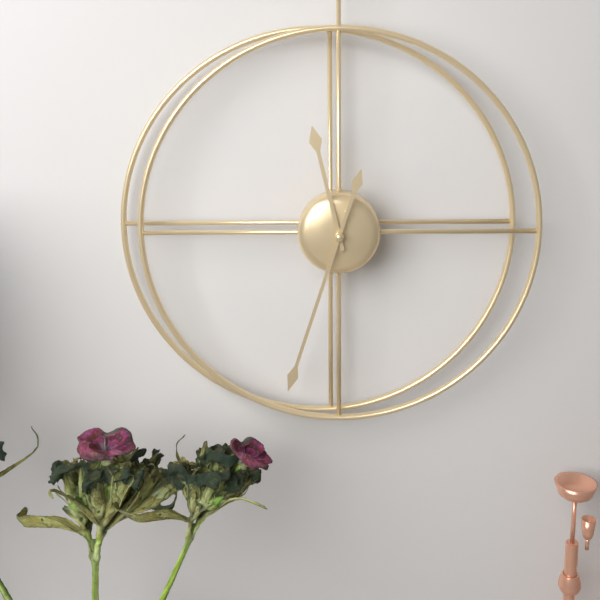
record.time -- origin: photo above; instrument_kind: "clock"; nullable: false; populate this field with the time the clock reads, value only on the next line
11:33
